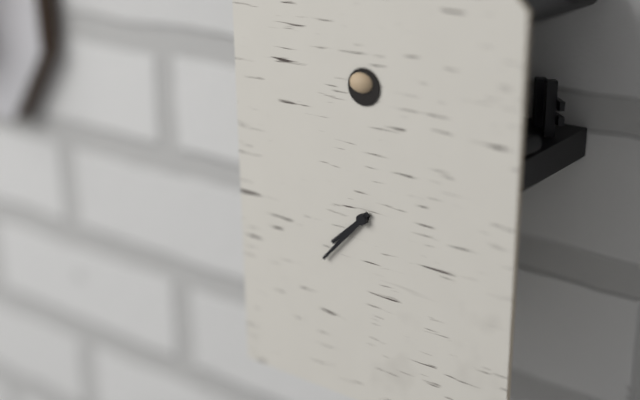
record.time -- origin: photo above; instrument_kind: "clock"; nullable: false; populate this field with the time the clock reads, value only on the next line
7:37
